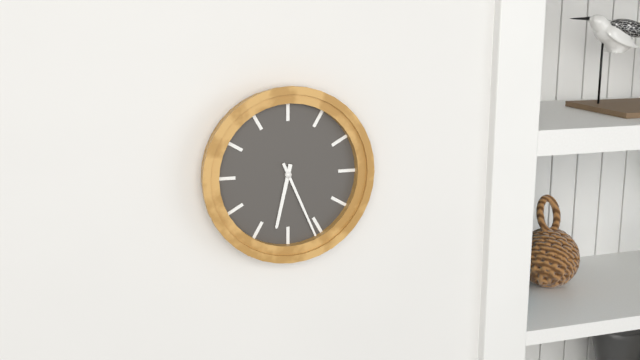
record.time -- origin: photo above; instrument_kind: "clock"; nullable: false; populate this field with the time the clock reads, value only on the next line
6:26
